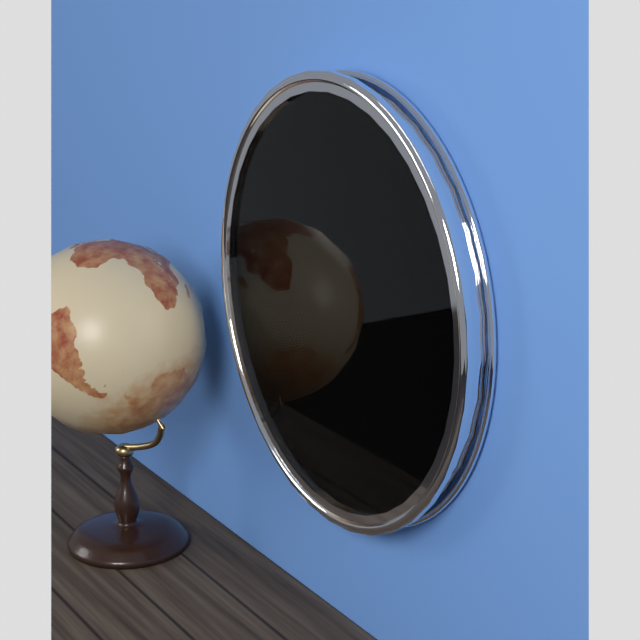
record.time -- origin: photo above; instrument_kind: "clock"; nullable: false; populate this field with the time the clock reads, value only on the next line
3:25
